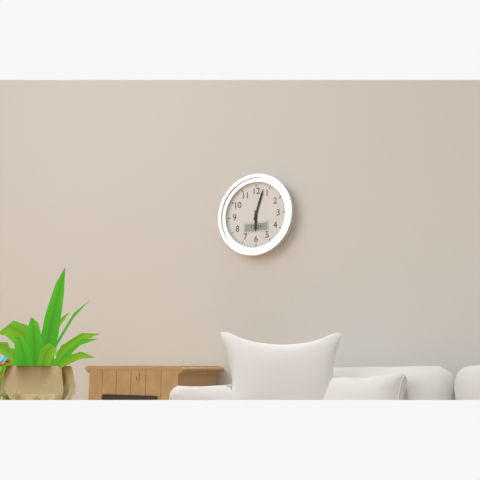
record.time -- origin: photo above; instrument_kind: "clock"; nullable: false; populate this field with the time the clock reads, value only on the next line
6:03
